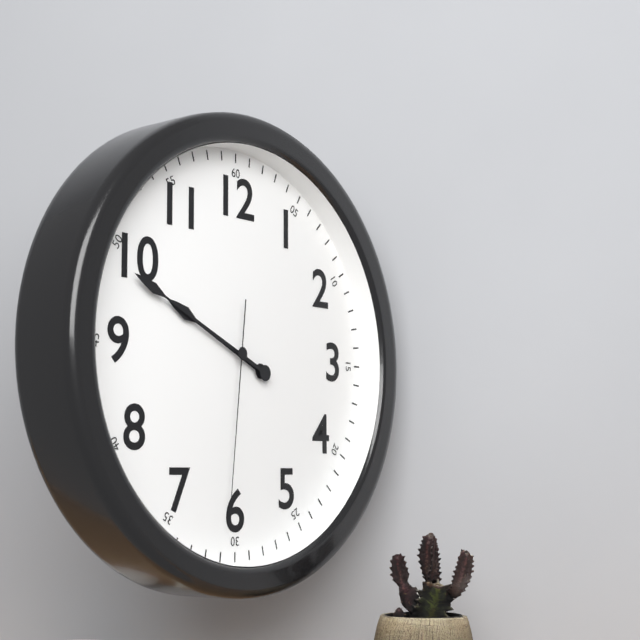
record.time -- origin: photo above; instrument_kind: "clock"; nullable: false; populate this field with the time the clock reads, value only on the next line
9:49:31
